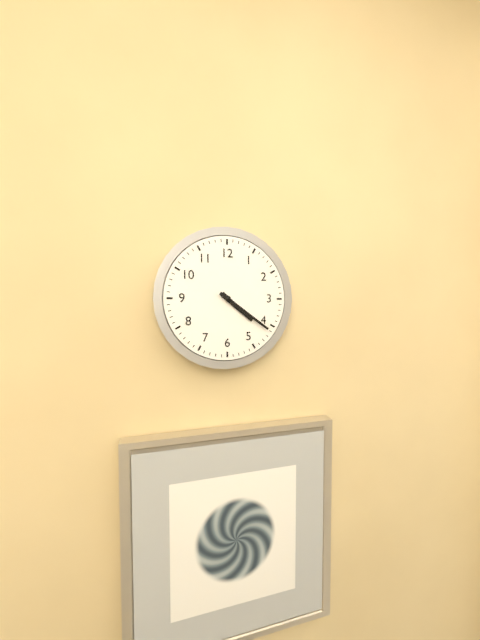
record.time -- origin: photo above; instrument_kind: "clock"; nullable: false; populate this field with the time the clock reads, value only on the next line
4:21
